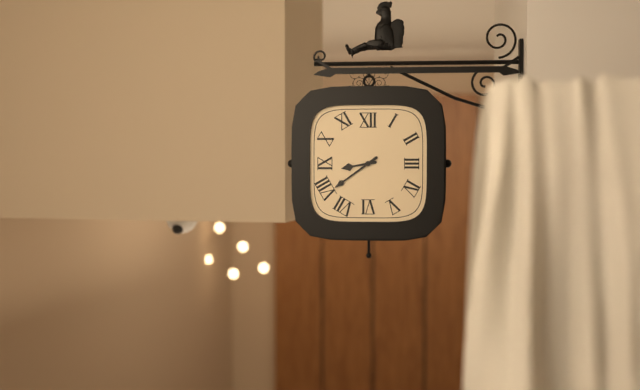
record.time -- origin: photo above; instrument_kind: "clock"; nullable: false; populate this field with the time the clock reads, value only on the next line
8:39
